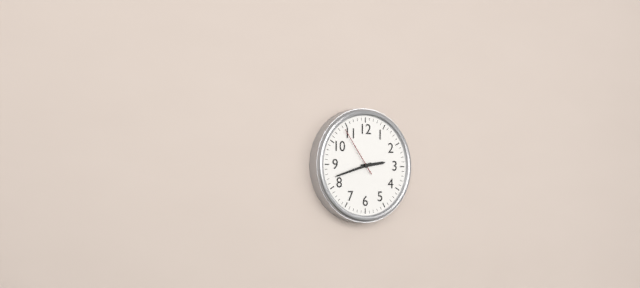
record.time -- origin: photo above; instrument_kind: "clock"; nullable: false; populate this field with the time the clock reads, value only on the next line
2:42
